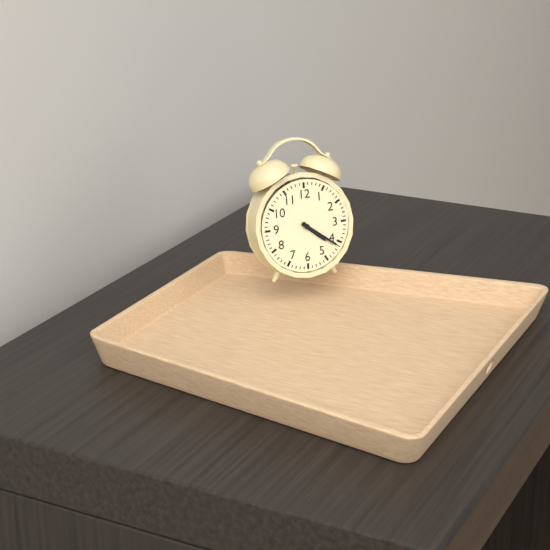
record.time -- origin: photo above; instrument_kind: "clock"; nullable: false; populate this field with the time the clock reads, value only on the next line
4:21
